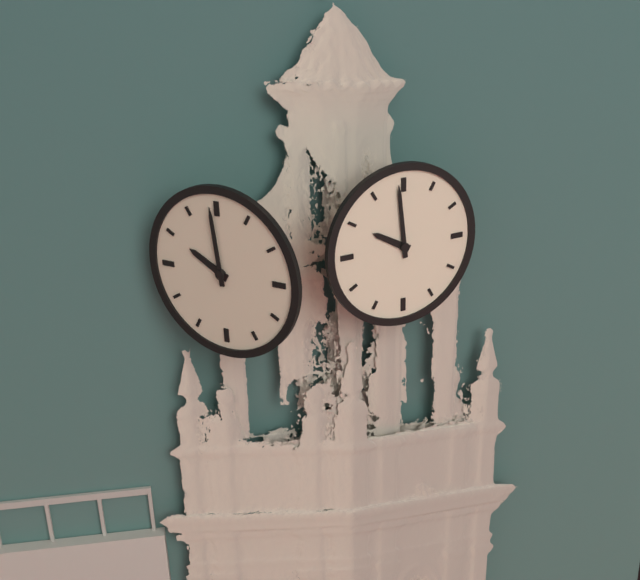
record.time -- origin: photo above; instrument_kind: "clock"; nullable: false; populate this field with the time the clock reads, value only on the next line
9:59
